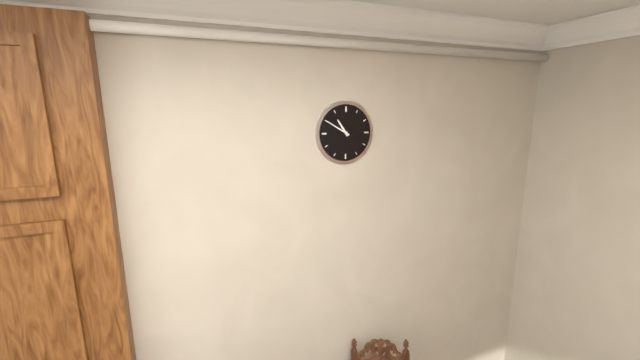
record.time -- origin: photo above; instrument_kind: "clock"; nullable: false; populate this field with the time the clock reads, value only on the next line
10:50
